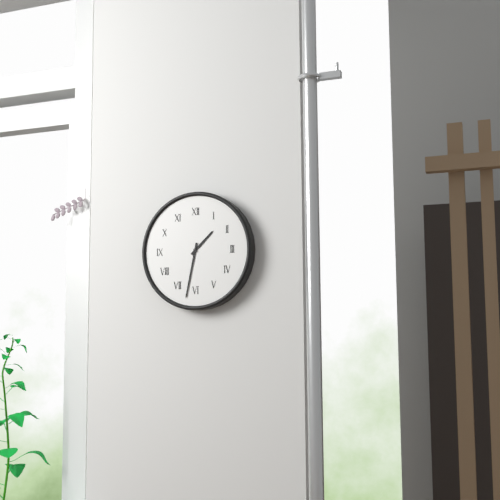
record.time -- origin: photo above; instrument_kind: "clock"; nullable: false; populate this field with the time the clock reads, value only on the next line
1:32
